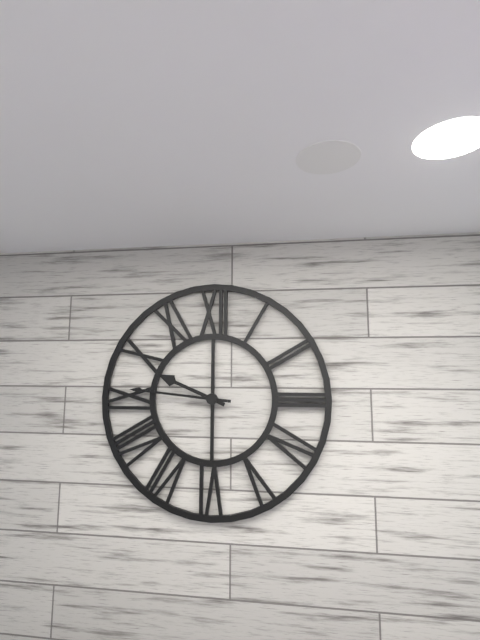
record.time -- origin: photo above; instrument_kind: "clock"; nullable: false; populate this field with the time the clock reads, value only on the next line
9:46
